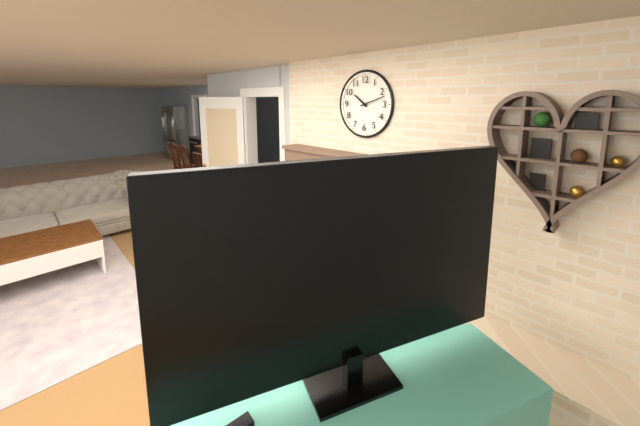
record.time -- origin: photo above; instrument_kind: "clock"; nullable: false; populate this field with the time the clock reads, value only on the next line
10:12
